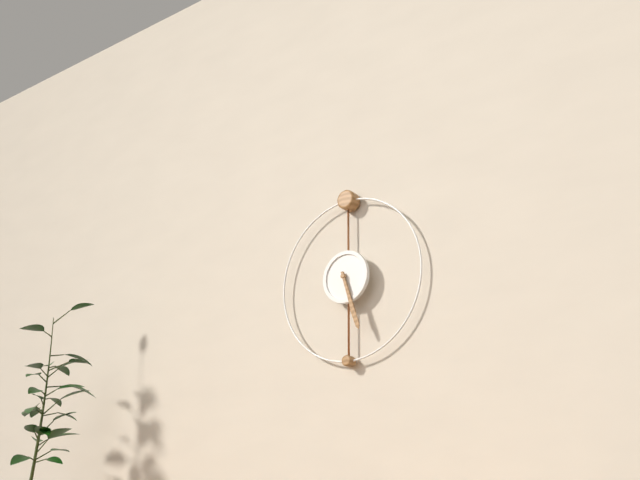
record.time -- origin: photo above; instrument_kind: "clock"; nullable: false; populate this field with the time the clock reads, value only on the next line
5:27
